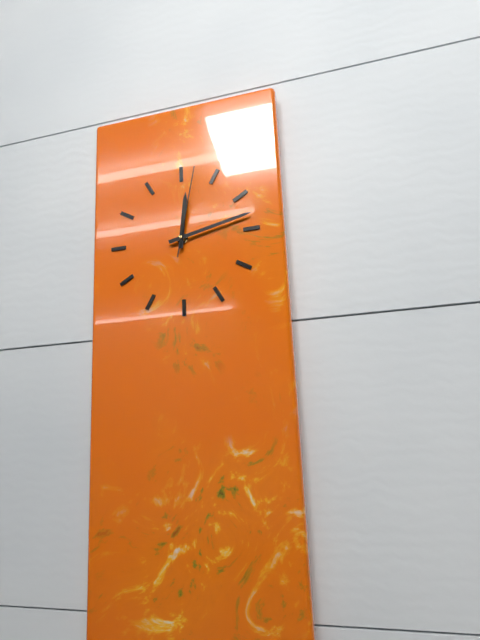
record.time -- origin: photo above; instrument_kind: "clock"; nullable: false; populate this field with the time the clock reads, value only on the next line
12:13:02
